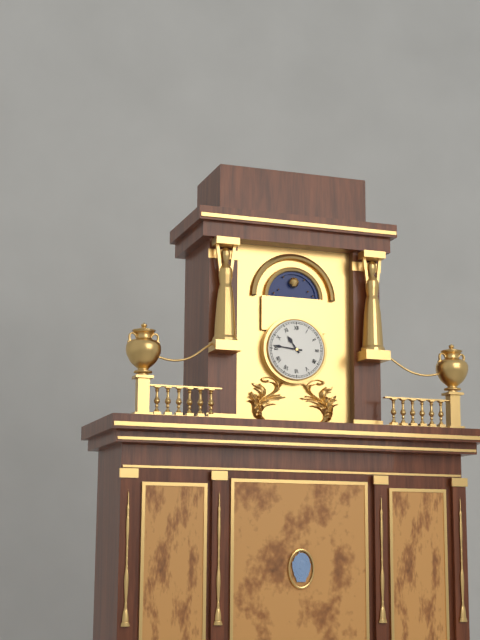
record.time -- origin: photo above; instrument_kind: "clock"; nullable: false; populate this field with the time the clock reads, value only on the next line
10:46
